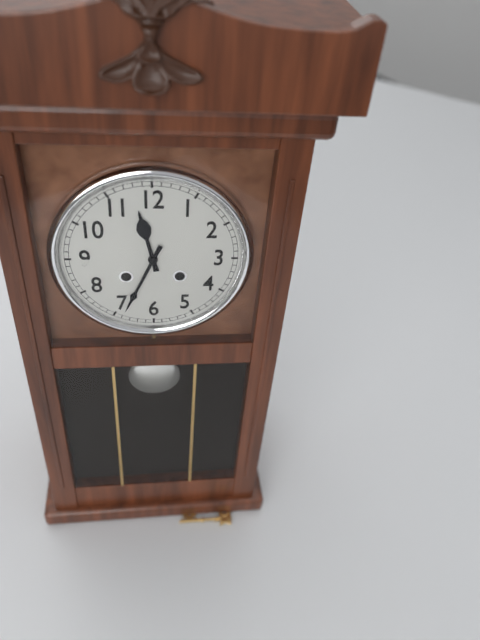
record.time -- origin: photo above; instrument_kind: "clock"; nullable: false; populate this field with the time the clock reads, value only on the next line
11:34
